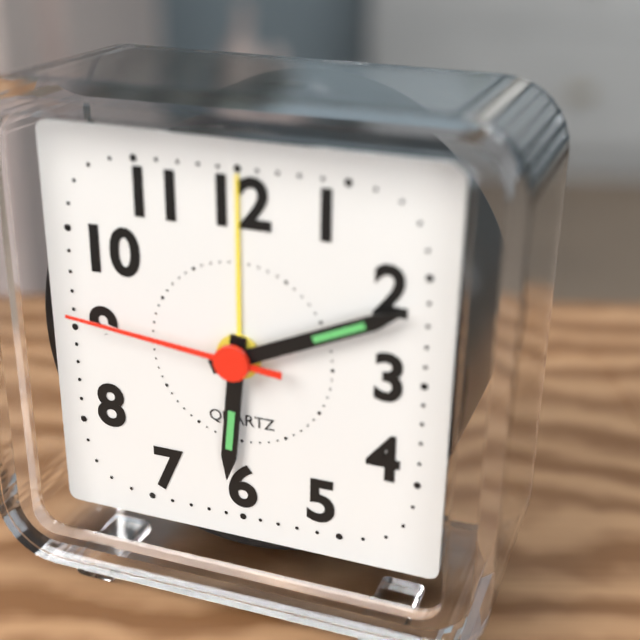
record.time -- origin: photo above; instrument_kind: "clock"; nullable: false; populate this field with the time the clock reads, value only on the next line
6:11:46
